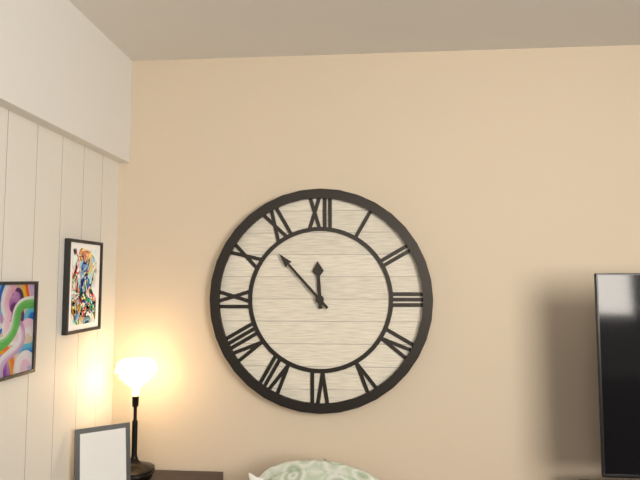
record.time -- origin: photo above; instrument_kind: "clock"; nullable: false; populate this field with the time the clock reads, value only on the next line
11:53
